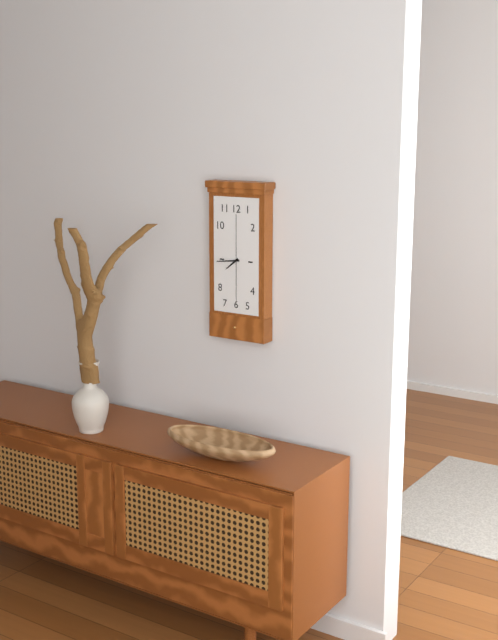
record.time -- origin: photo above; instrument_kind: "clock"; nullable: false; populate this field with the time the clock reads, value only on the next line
7:44
